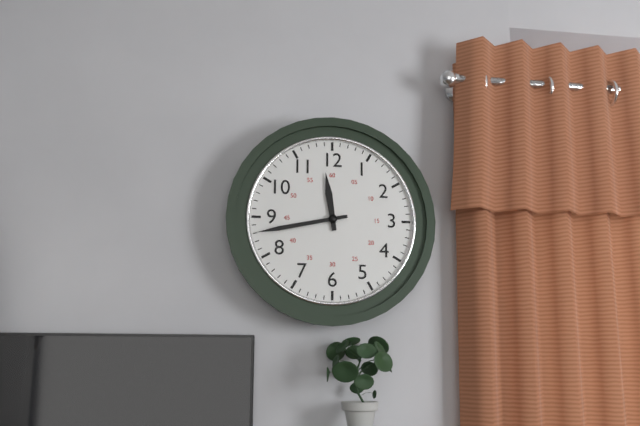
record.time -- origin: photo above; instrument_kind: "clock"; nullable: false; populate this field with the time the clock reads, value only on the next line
11:43
